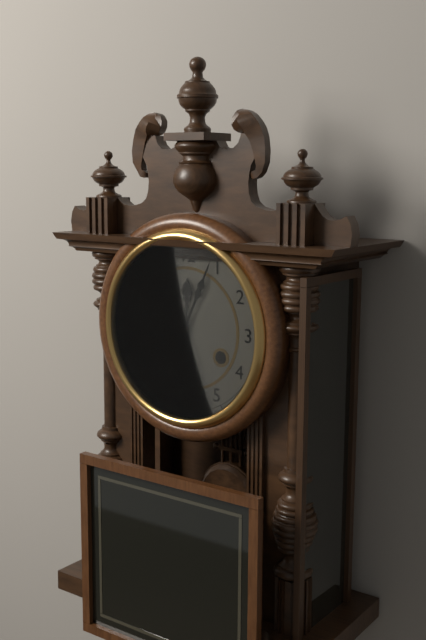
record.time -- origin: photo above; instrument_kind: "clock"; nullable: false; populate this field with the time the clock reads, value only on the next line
12:04
